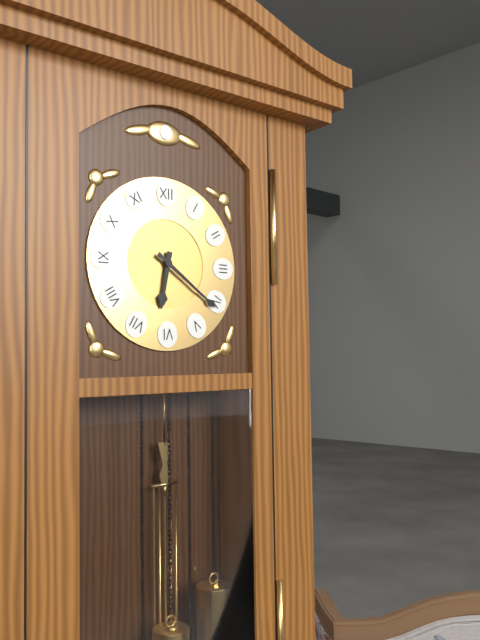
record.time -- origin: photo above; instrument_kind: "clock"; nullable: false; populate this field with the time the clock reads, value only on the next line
6:21
